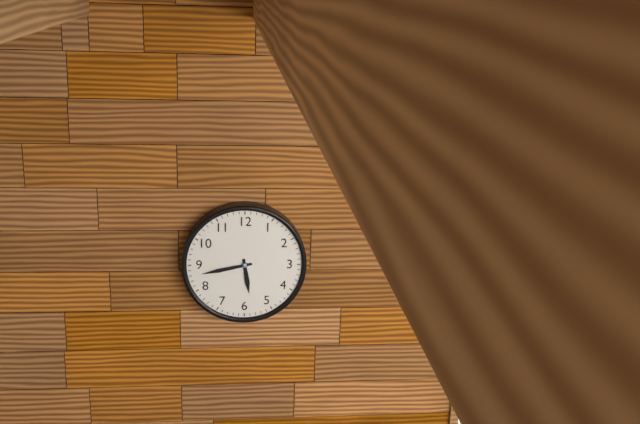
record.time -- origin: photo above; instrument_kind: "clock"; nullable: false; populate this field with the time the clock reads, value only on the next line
5:43
